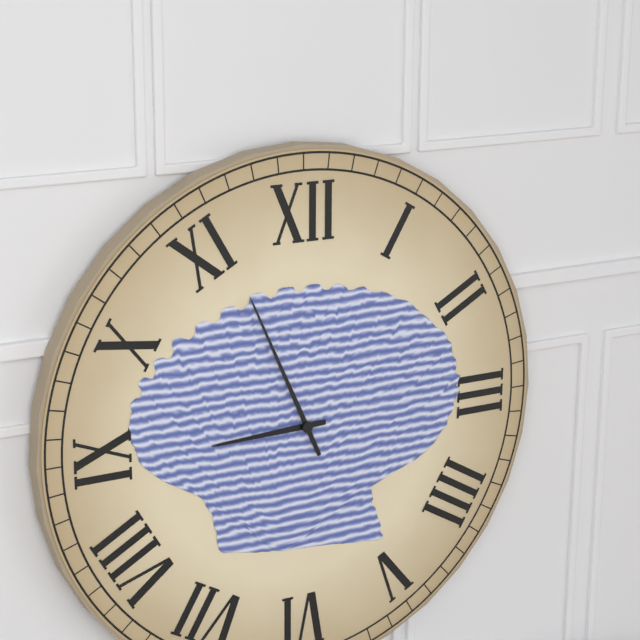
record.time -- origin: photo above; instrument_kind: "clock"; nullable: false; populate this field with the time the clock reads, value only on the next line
8:56
